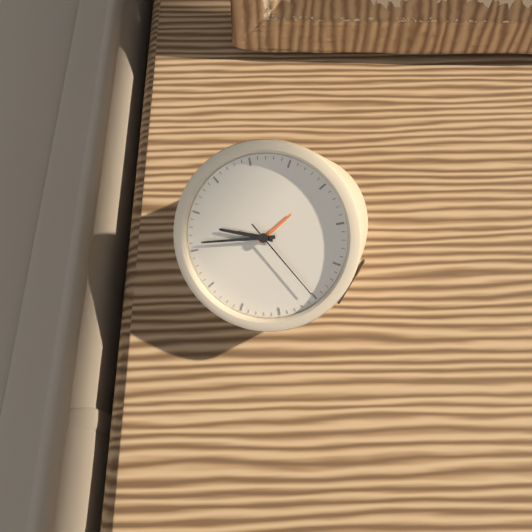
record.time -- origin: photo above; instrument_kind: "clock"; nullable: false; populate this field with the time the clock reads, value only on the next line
8:41:20
